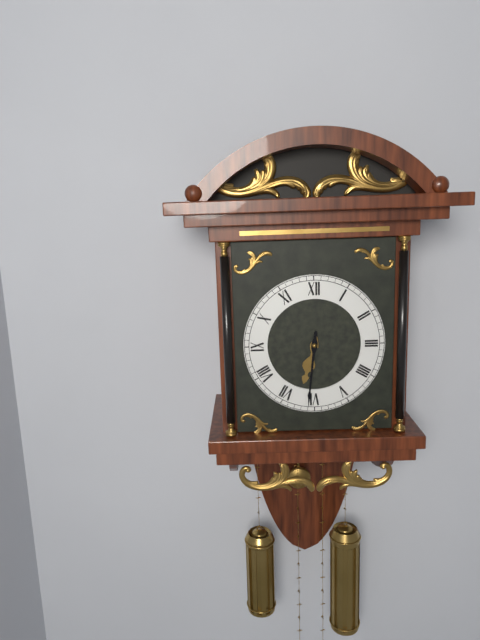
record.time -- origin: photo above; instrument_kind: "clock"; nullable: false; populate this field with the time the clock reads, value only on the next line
6:31
